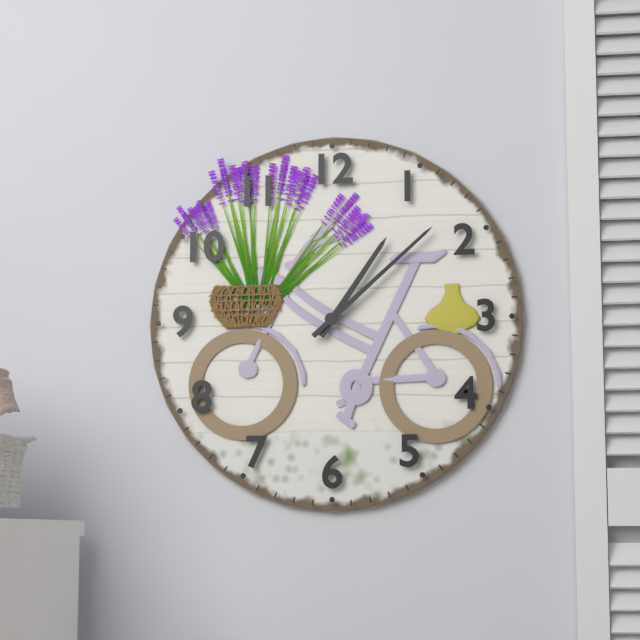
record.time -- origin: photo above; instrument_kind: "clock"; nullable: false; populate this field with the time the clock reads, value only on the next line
1:08
